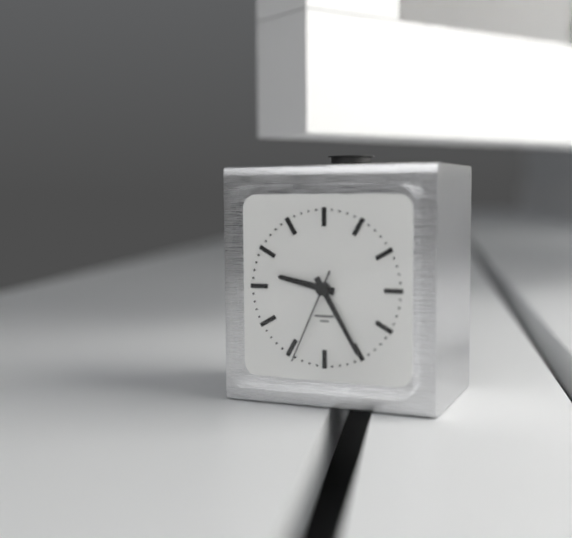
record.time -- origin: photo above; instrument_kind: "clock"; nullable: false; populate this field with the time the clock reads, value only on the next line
9:25:34
